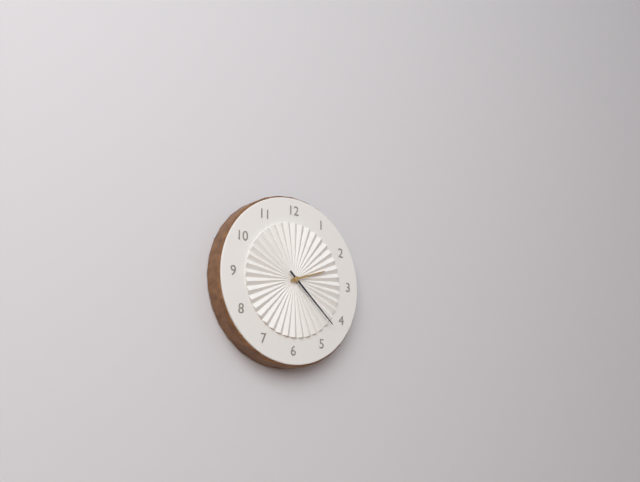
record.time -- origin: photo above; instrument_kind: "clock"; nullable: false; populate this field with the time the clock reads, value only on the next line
2:22
